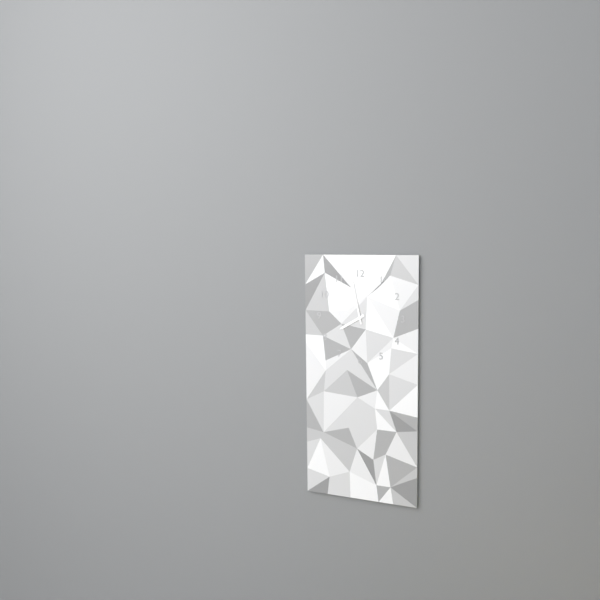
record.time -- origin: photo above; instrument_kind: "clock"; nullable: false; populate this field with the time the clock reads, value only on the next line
7:58
